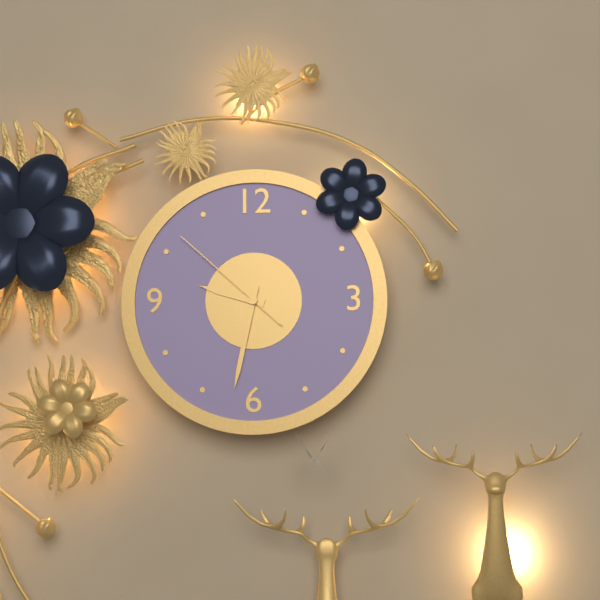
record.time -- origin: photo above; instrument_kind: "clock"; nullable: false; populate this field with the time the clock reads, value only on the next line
9:32:52
